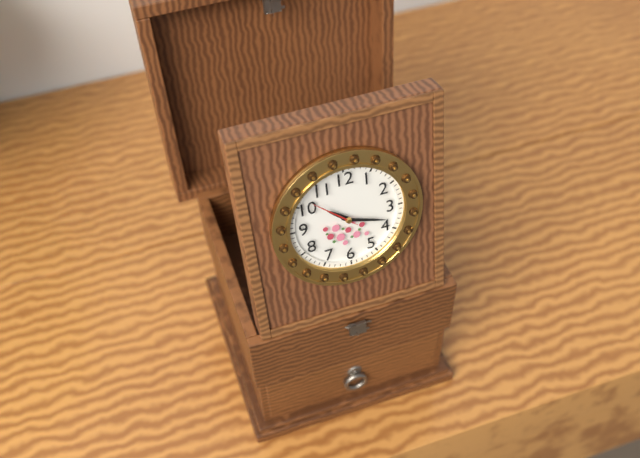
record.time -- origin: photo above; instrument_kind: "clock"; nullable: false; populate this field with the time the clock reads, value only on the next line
10:18:52
